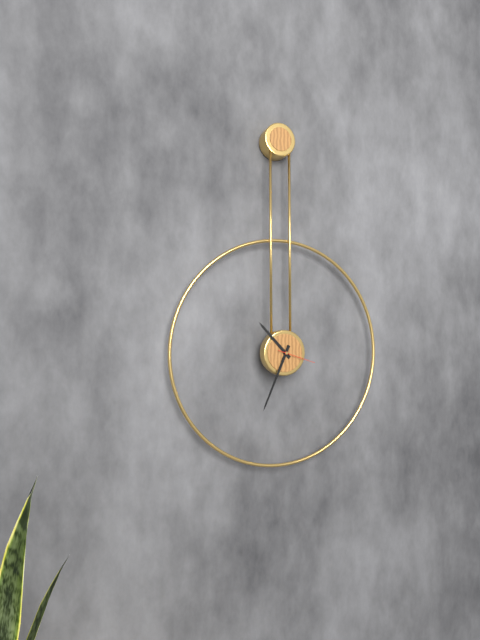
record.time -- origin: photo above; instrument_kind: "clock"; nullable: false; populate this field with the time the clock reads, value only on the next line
10:34
